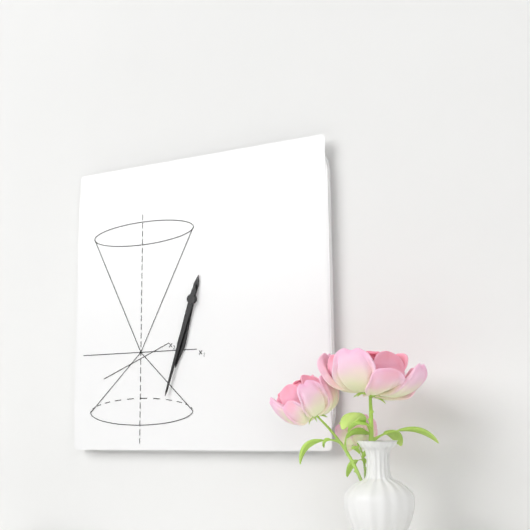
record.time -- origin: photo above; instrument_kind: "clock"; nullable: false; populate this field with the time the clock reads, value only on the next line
6:33
